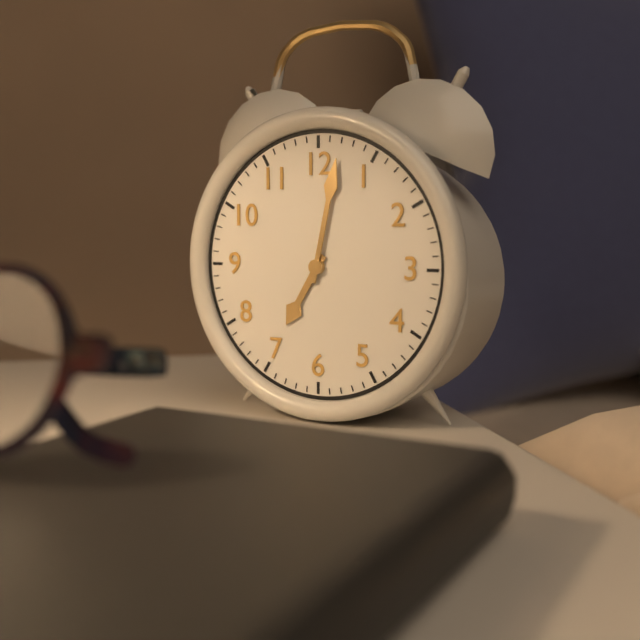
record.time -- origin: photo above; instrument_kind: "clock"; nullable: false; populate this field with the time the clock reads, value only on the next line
7:02
